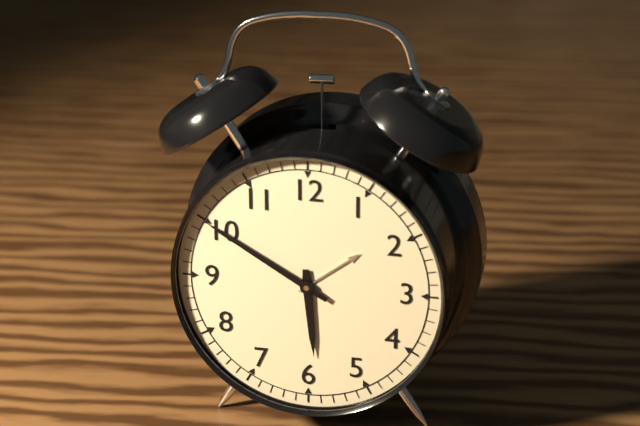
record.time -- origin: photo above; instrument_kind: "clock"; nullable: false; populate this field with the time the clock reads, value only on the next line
5:50
